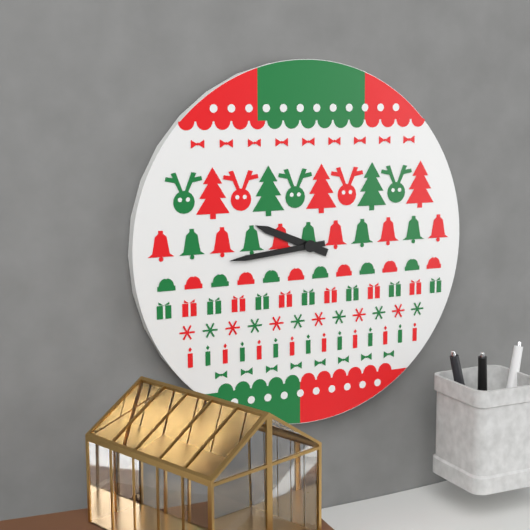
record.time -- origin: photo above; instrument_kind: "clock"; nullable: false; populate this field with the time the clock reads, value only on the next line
9:44
